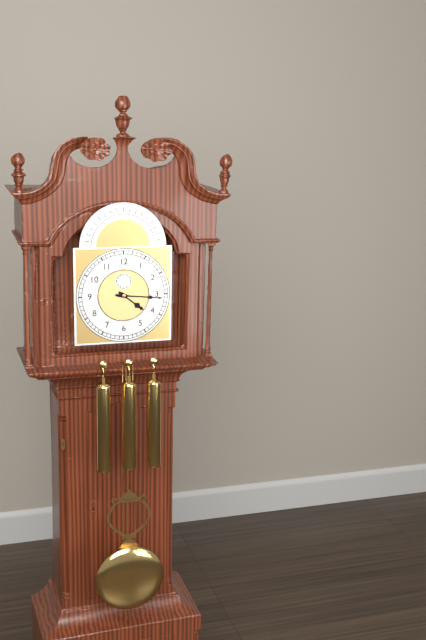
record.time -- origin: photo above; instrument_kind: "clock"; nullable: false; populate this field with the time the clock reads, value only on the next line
4:16
